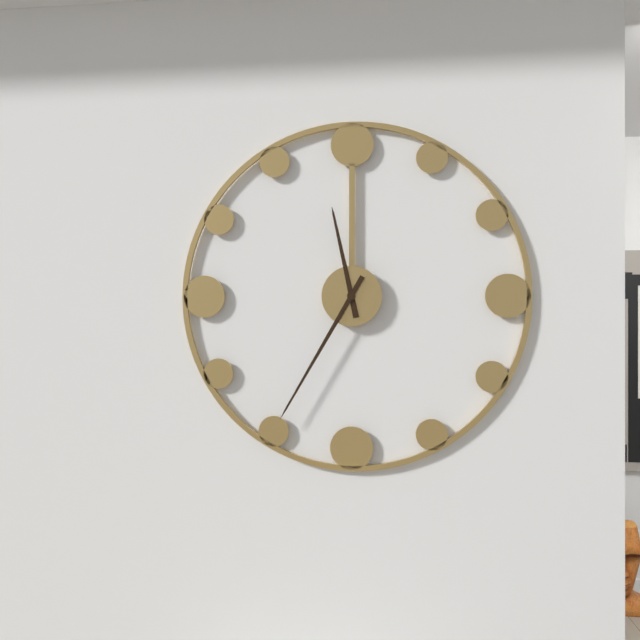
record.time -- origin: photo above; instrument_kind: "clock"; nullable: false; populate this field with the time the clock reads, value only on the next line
11:35
